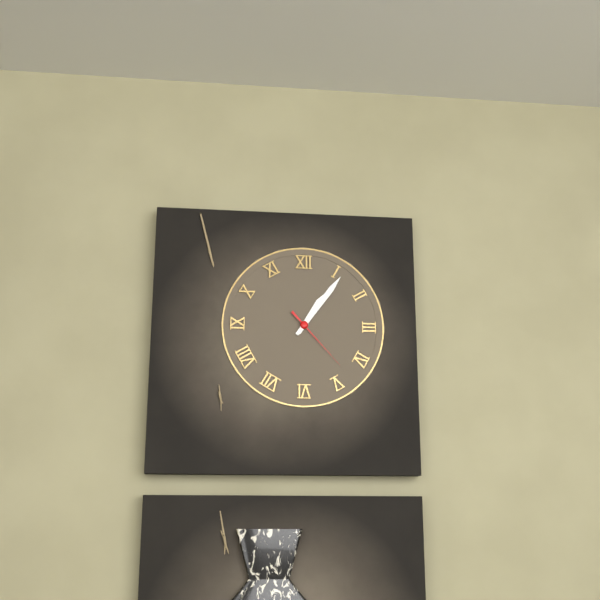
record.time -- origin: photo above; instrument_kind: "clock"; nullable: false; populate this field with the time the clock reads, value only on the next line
1:06:23
